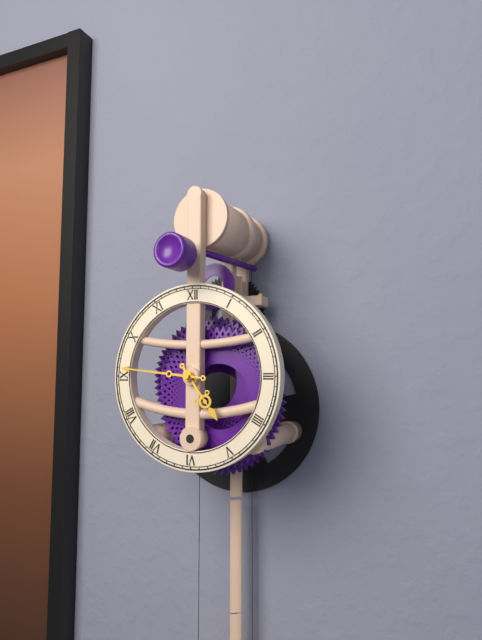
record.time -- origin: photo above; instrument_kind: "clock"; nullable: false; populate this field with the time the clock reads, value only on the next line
4:46
